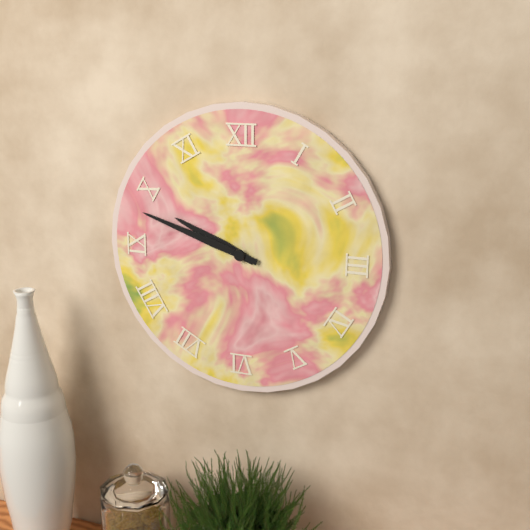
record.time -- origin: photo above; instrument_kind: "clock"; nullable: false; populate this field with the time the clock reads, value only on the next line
9:48
